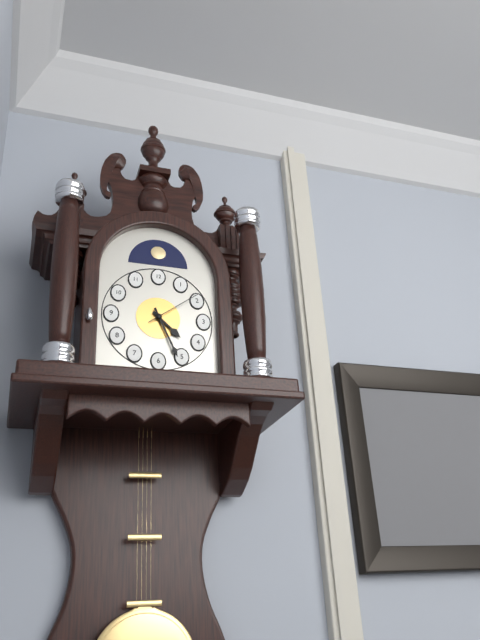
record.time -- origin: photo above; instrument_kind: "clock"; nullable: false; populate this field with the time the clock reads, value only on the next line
4:26:09
